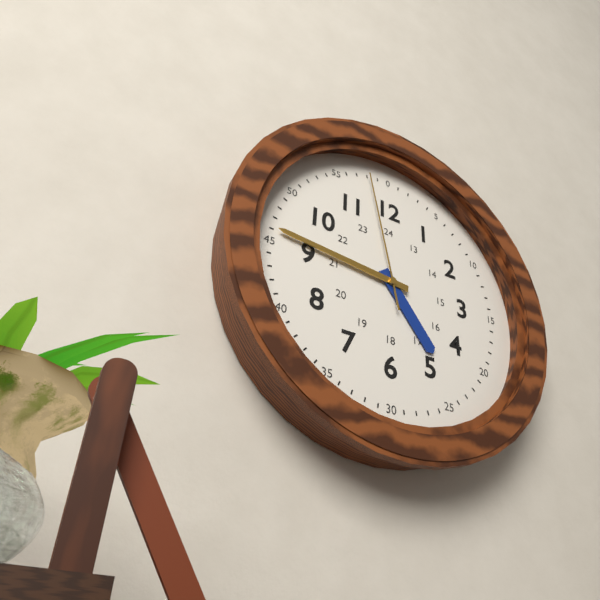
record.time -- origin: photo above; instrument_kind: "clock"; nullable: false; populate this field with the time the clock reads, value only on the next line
4:46:58
